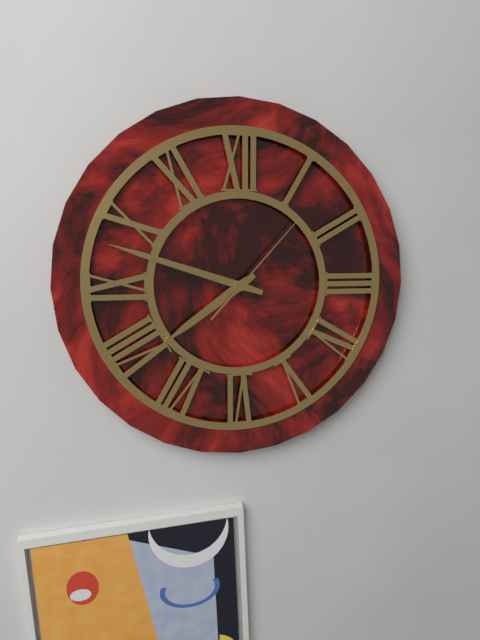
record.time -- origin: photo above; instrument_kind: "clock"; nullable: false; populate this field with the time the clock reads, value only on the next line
7:48:07
